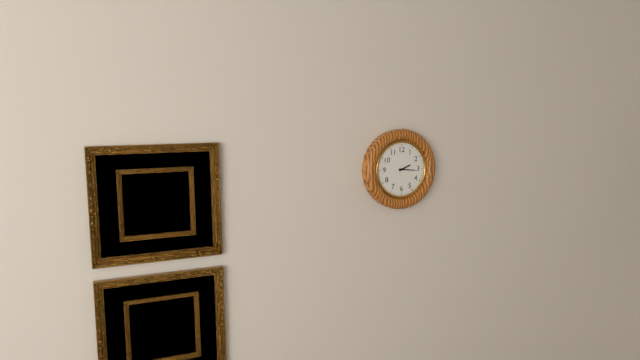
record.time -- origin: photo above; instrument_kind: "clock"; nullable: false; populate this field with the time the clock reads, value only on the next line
2:16
